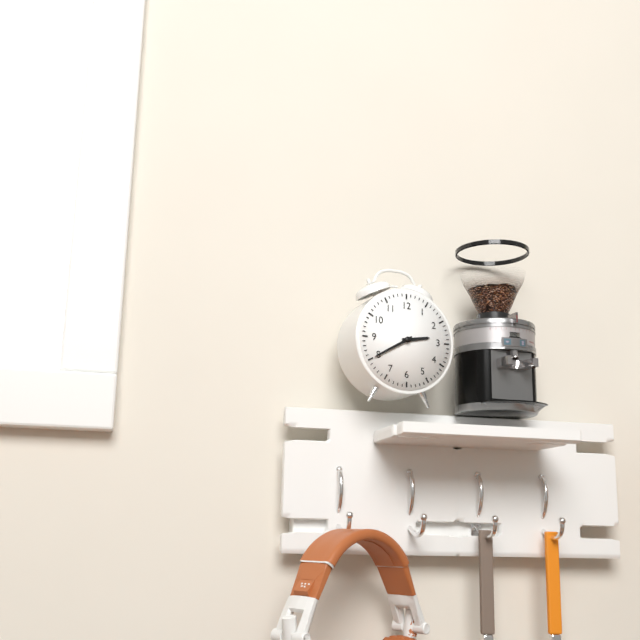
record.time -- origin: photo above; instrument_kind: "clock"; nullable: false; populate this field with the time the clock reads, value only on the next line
2:40
